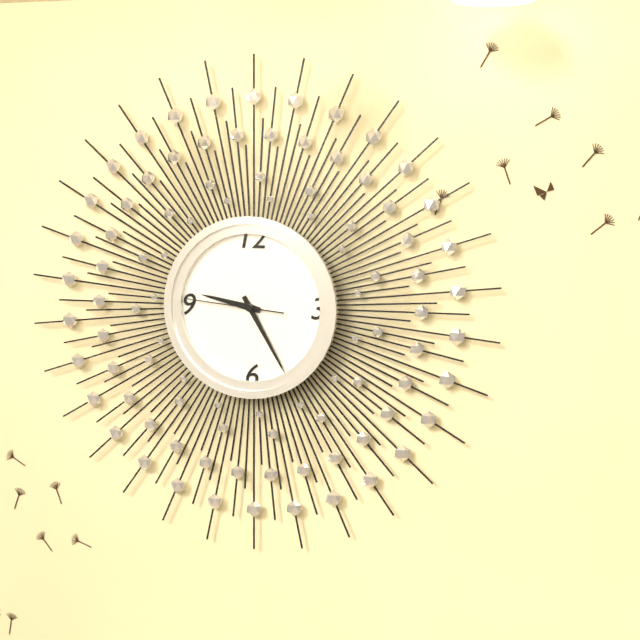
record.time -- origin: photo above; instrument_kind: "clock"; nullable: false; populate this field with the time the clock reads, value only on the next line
9:25:46
